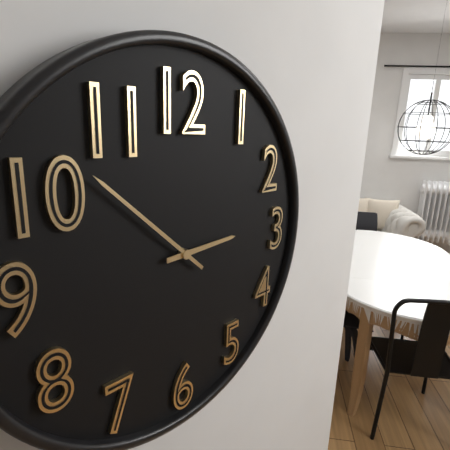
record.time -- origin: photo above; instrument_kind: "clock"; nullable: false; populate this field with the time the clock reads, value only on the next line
2:52
